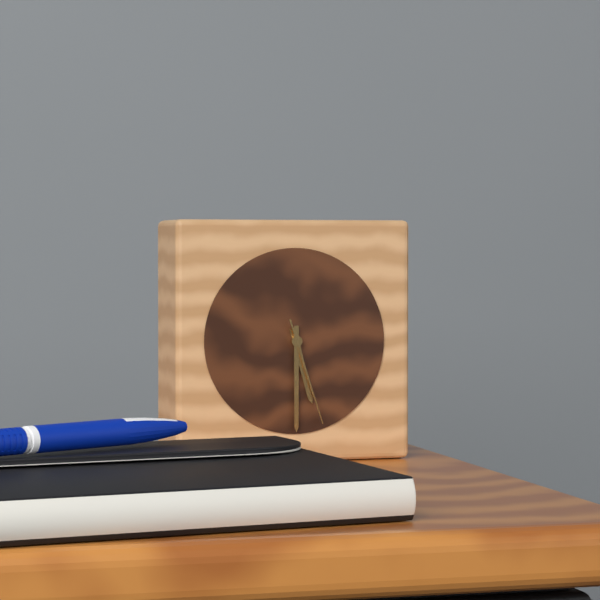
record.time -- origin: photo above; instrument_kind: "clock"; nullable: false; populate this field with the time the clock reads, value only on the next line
5:30:27
